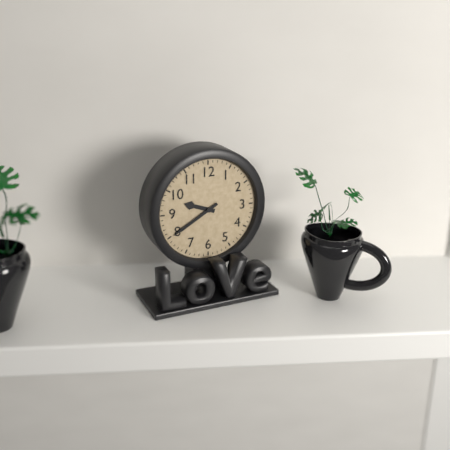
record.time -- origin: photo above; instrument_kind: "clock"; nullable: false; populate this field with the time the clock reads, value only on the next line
9:40
